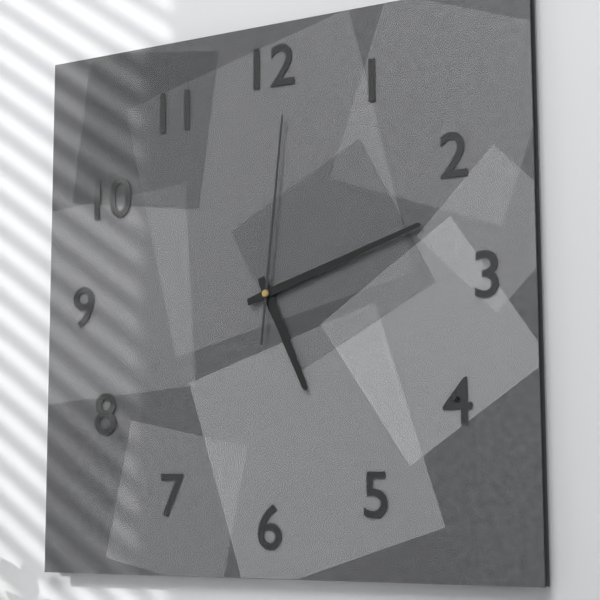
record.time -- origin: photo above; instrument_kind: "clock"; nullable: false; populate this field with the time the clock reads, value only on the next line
5:12:01
